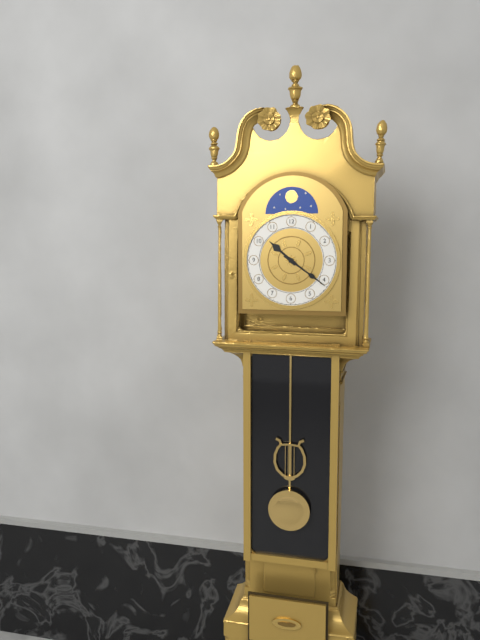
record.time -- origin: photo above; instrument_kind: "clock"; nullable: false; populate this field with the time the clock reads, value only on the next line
10:21
